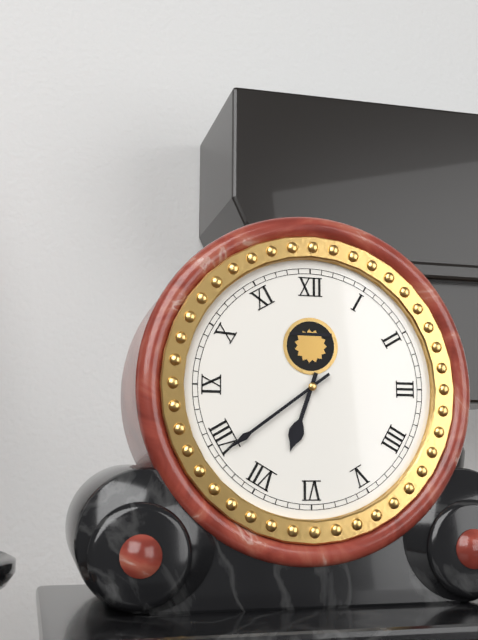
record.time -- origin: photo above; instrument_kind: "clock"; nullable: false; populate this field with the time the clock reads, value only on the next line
6:39
